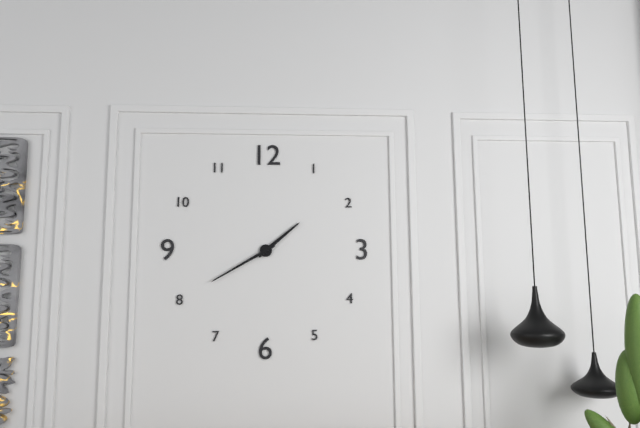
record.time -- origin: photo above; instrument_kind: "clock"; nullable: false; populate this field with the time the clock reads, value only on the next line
1:40
